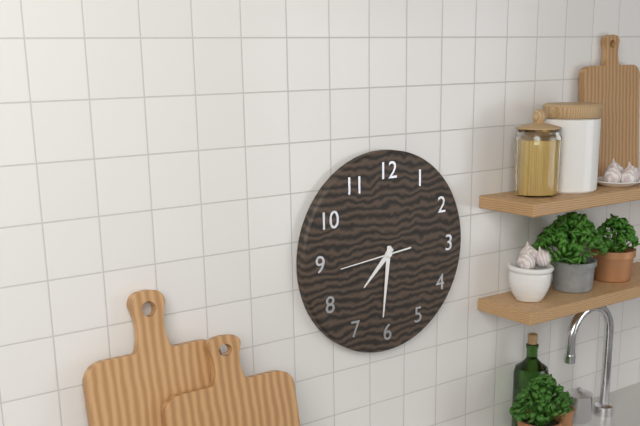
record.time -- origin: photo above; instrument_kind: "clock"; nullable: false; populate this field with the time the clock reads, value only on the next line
7:31:44
